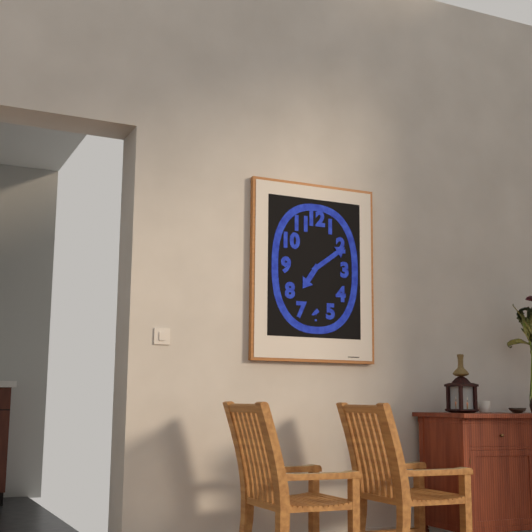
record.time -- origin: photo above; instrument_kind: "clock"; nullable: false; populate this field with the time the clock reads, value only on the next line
7:09
